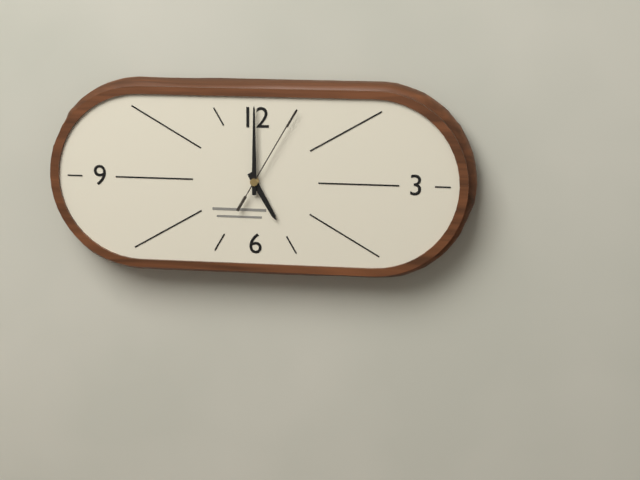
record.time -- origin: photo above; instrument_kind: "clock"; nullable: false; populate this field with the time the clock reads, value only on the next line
5:00:05
